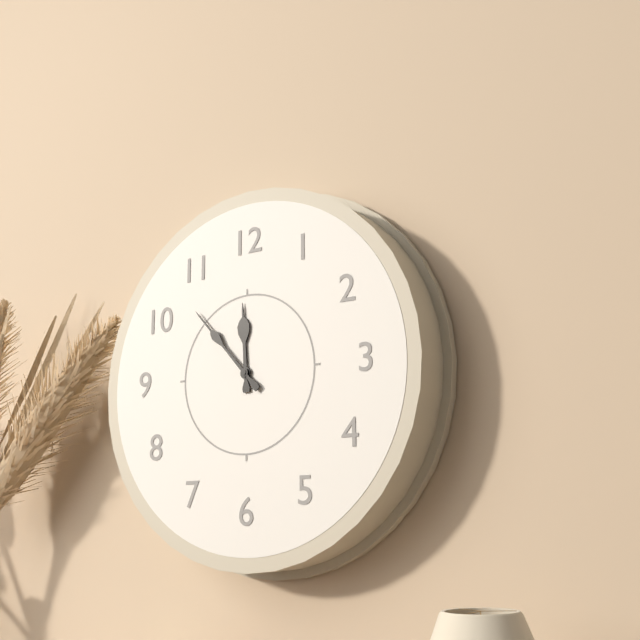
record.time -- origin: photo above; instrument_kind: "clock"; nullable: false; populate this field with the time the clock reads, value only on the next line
11:53
